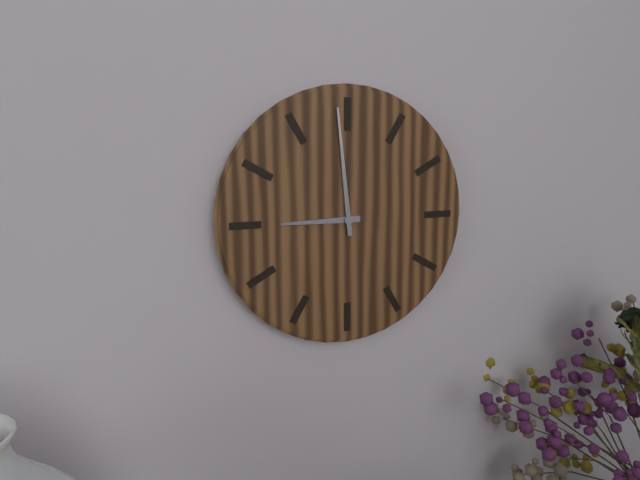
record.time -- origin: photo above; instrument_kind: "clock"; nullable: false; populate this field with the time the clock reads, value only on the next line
8:59
